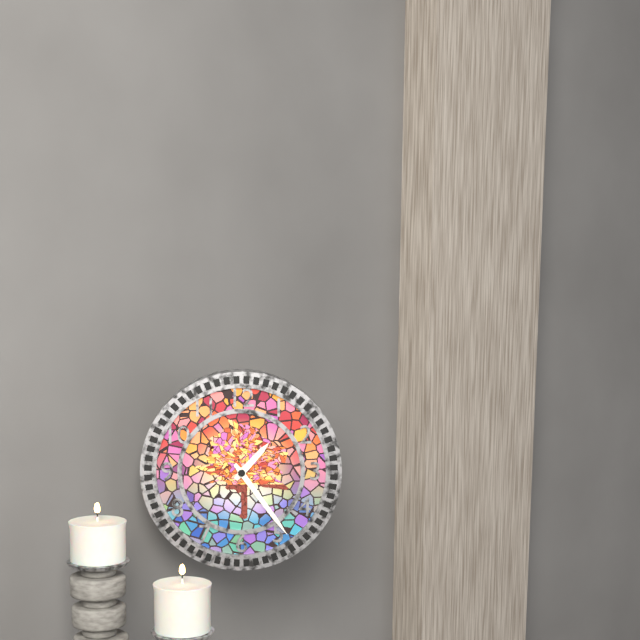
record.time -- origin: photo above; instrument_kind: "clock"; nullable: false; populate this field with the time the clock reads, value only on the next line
1:24
